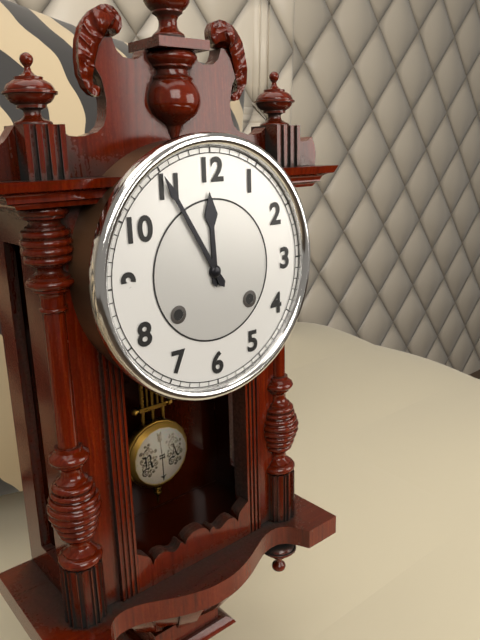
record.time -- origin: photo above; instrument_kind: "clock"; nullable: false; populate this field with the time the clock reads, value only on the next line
11:55
